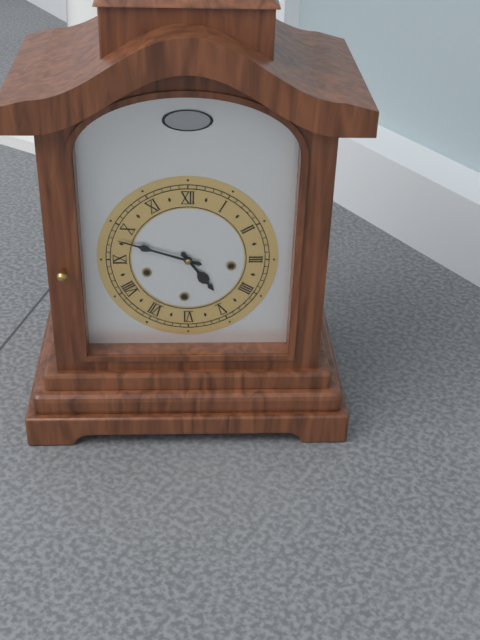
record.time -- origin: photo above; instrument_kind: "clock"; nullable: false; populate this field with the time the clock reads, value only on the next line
4:48
